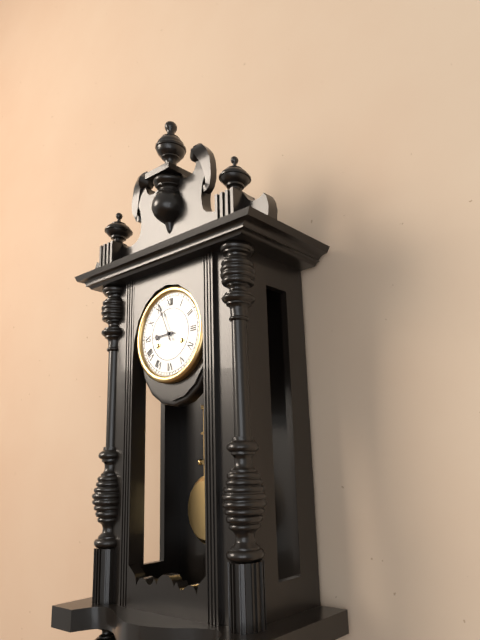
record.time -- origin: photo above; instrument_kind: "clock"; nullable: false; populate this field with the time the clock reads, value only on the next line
8:56
